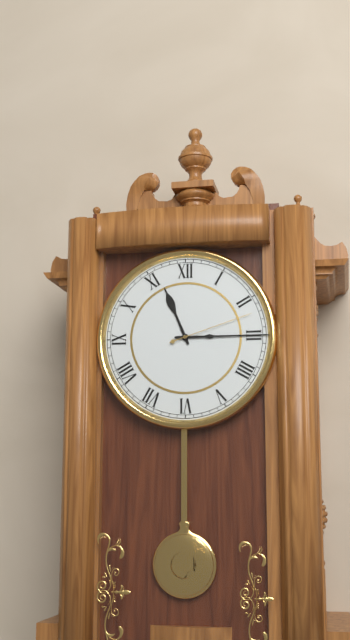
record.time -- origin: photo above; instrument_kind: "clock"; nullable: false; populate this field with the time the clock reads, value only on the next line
11:15:12
